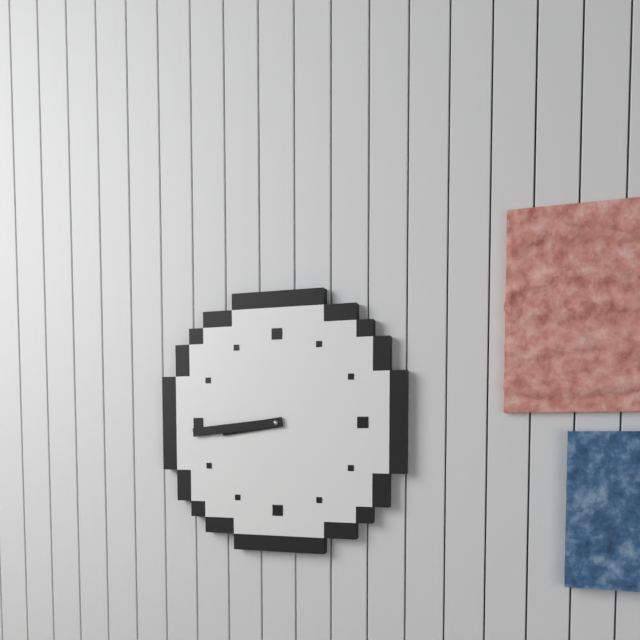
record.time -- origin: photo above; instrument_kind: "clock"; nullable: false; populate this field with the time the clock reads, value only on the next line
8:44
